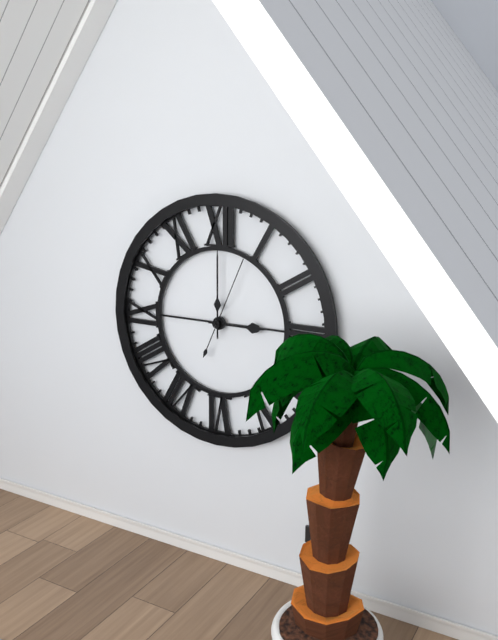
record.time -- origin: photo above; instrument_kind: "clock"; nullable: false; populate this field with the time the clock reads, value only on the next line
3:00:04
